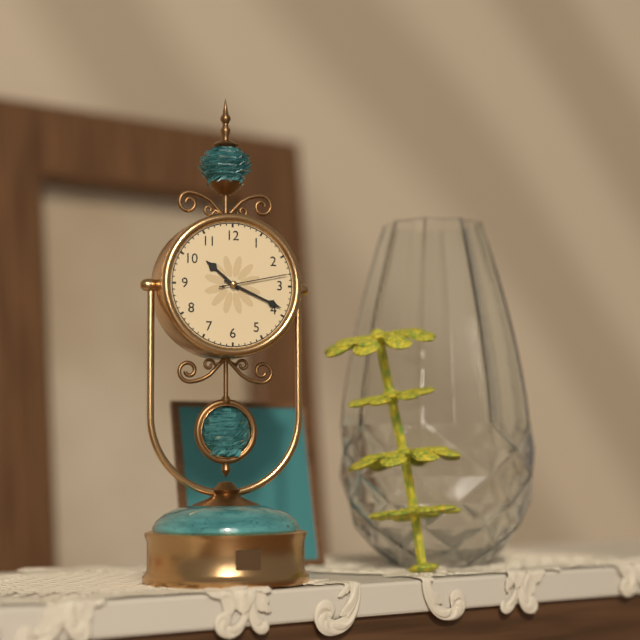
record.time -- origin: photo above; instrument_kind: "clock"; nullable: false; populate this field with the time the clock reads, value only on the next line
10:19:13
